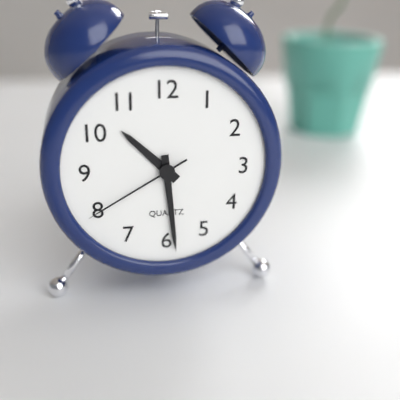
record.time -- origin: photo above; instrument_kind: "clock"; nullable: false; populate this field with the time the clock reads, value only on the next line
10:29:40
